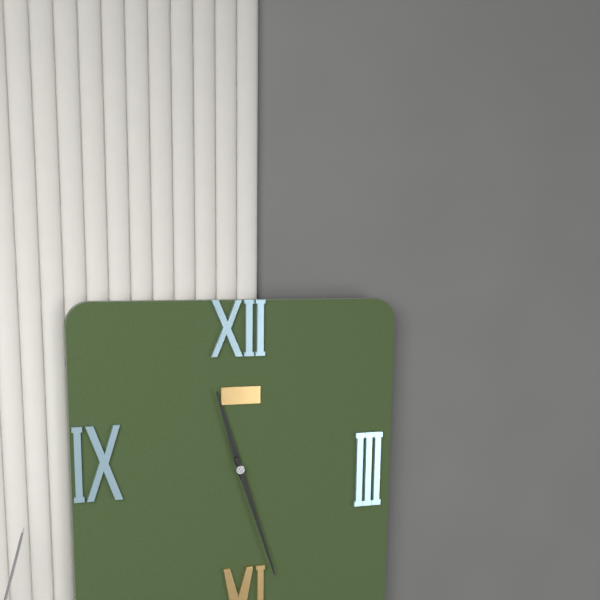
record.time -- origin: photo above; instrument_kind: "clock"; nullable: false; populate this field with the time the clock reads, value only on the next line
11:27
